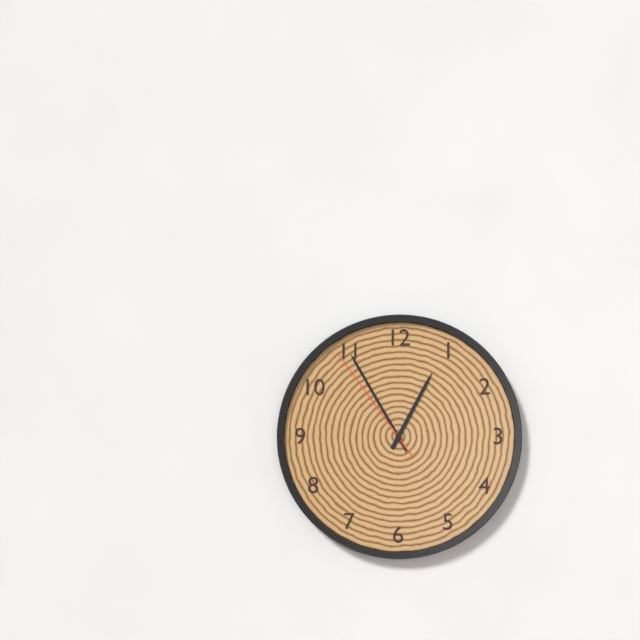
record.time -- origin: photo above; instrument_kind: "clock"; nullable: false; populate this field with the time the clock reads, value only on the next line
12:55:54
